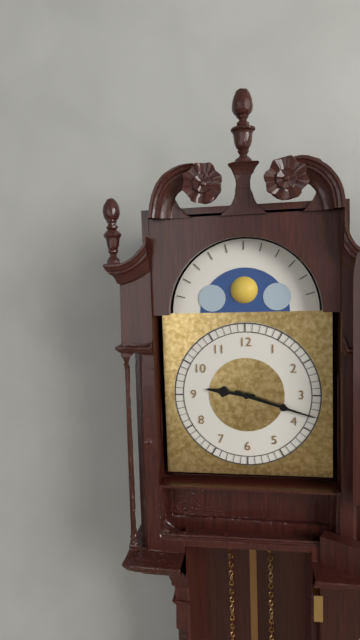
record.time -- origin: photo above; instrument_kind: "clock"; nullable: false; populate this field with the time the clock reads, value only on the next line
9:18
